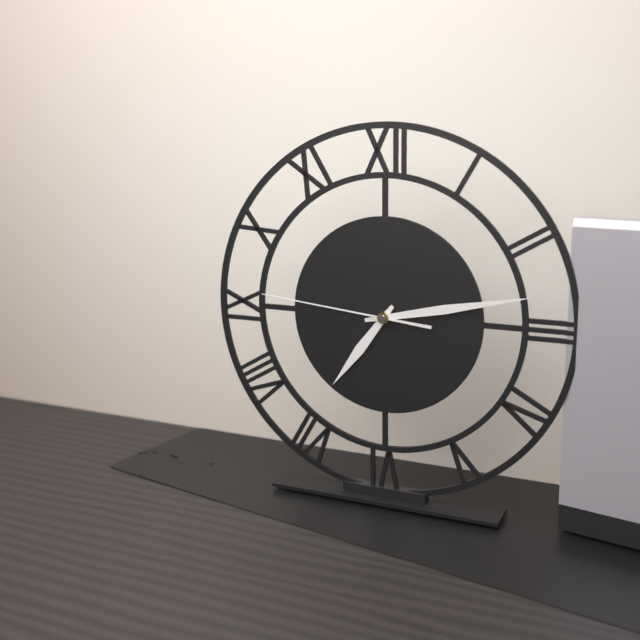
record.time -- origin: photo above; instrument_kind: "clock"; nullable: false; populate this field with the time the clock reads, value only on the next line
7:13:46
